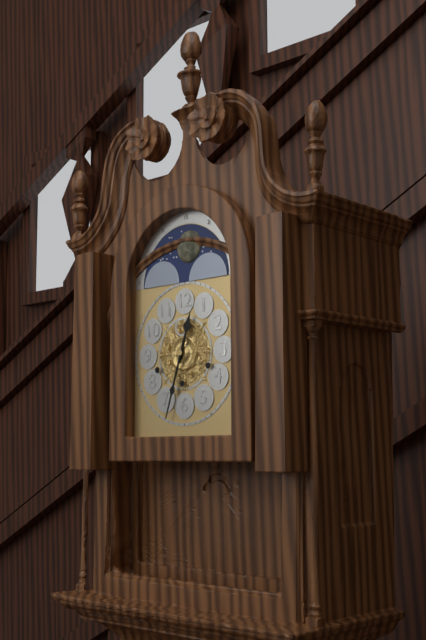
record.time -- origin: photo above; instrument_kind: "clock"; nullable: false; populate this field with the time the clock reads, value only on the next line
12:33
